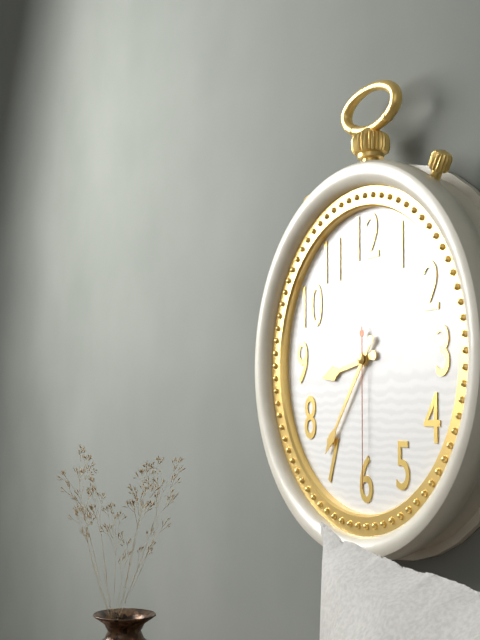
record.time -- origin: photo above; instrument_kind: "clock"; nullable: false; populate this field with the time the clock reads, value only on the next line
8:36:30
